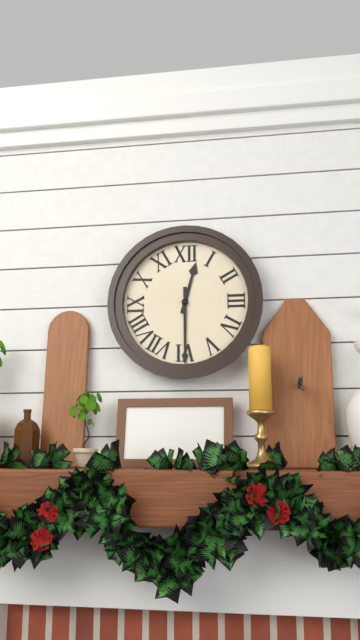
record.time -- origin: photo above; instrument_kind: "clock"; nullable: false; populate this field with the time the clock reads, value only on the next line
12:30
